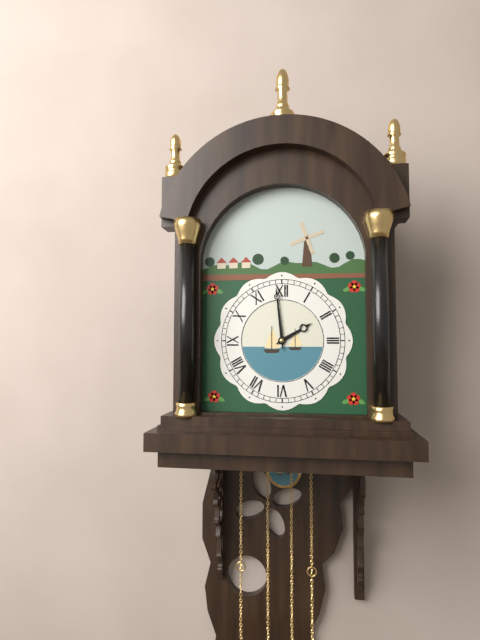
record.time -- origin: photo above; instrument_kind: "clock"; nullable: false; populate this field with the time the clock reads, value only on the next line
1:59
